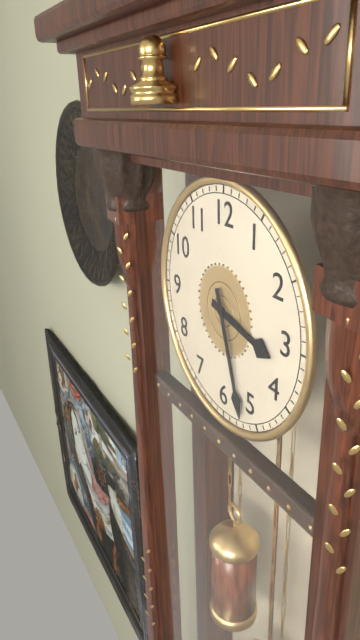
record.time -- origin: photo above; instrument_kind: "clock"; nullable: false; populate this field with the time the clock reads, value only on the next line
3:27
